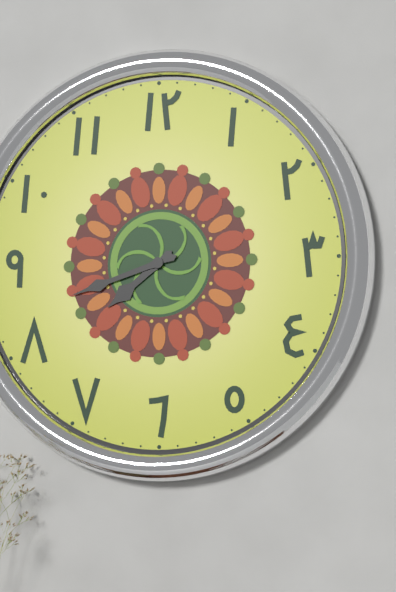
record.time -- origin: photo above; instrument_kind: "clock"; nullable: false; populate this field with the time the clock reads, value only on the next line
7:42
